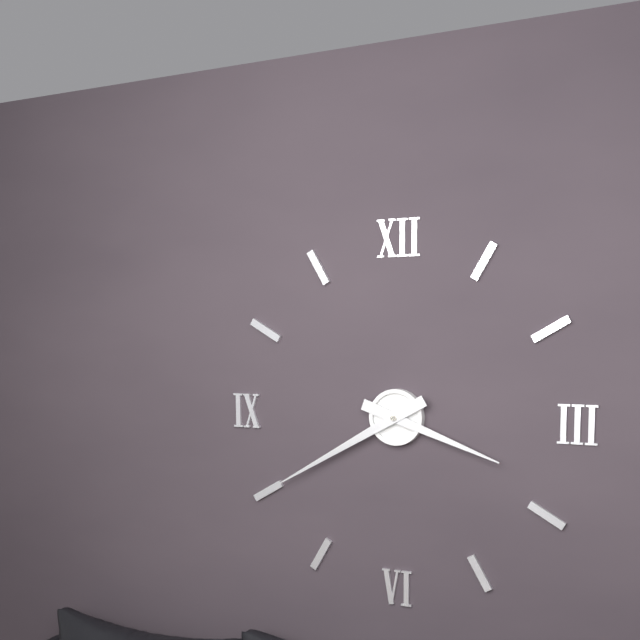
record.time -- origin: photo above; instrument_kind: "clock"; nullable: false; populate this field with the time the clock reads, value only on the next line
3:40
